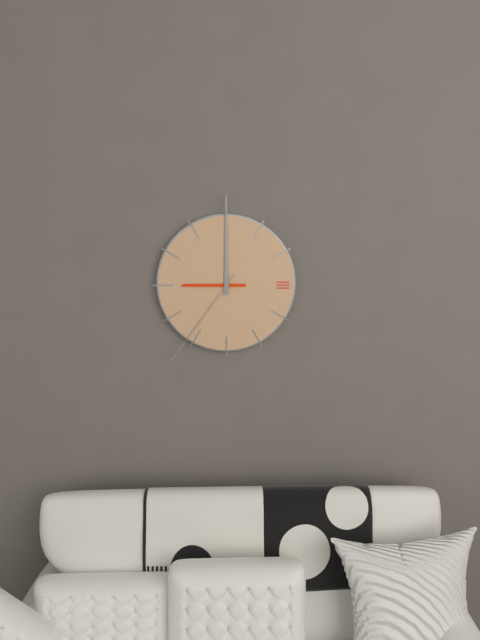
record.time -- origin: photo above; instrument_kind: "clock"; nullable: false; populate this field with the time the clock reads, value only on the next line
9:00:36
